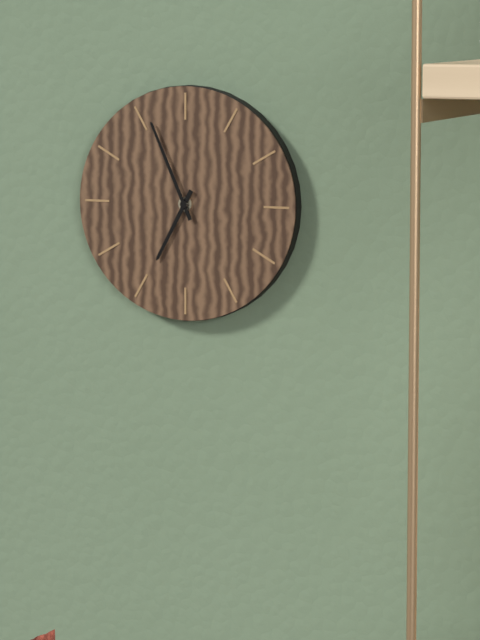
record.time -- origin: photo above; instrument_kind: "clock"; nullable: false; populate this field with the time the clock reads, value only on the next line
6:56
